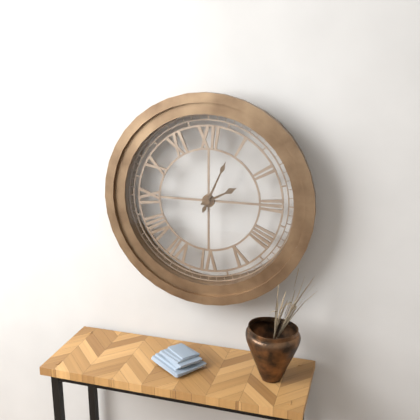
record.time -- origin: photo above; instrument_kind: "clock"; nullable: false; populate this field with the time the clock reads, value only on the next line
2:04
